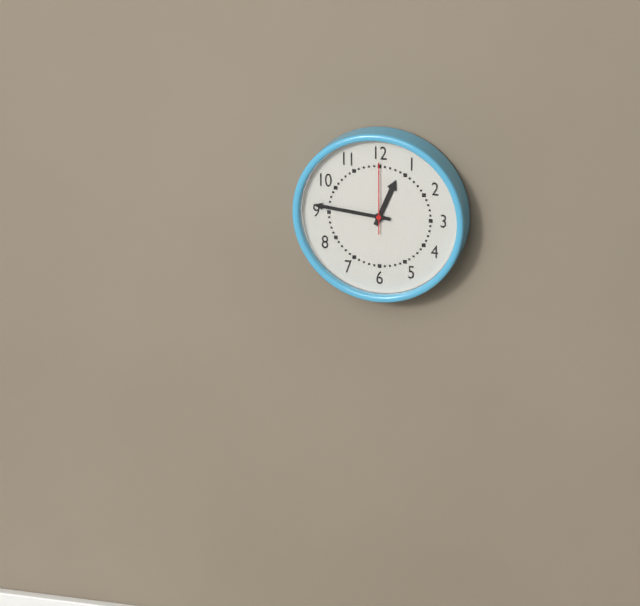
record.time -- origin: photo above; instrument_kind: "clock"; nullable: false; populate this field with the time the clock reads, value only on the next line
12:46:00
